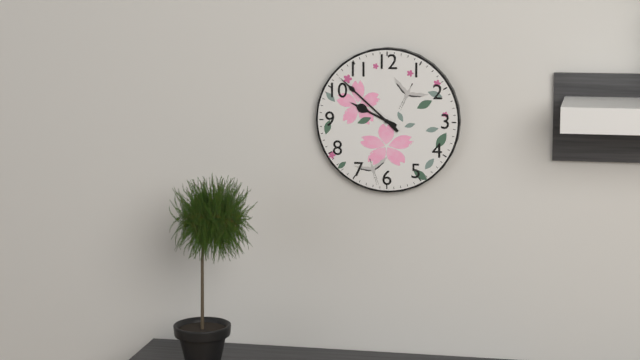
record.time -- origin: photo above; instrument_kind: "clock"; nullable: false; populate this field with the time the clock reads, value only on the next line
9:52
